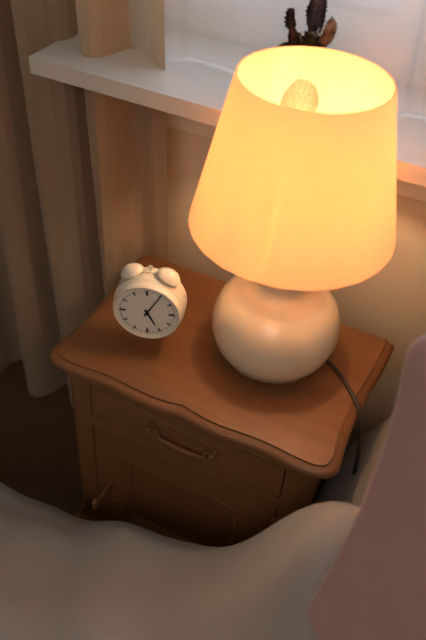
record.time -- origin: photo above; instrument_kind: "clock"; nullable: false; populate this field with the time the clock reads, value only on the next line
5:05
